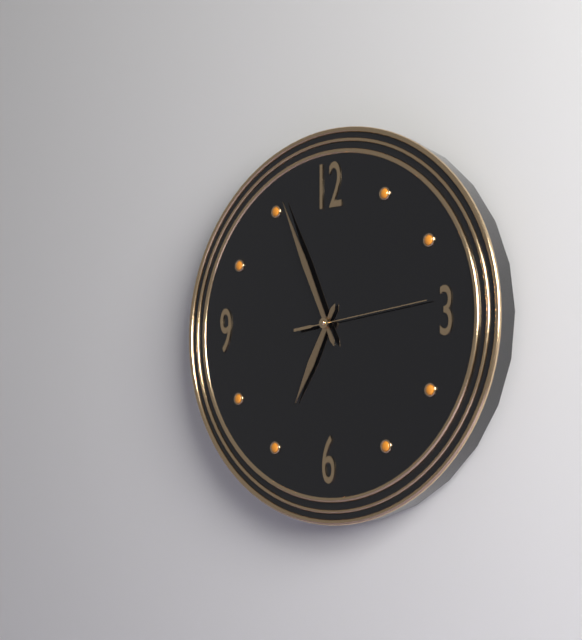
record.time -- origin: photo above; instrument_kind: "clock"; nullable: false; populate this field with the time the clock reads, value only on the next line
6:56:14
